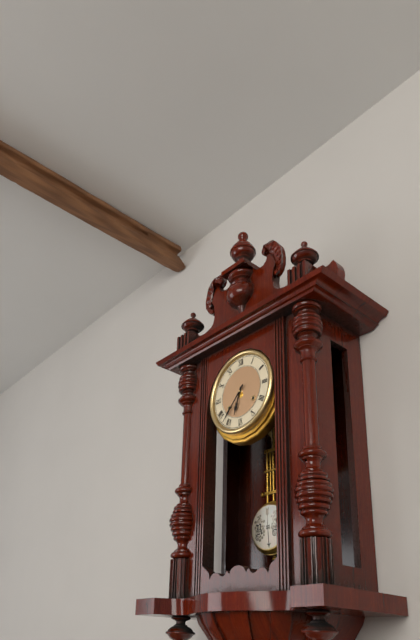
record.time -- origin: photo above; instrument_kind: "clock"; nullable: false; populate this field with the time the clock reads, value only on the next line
6:37
